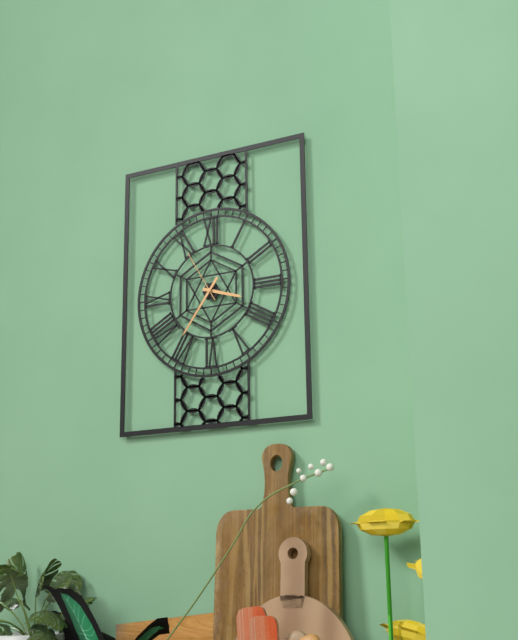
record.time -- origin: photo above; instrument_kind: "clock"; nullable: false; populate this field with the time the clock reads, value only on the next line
3:36:55
